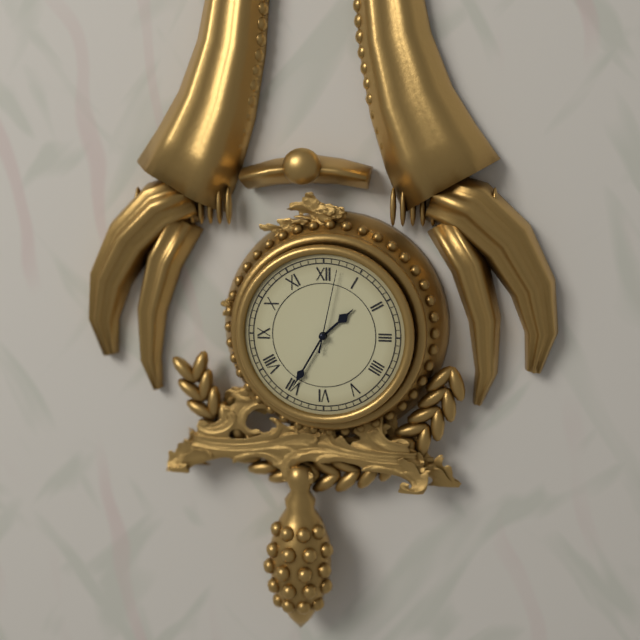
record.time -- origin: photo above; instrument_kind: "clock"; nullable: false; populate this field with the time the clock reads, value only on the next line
1:35:02
